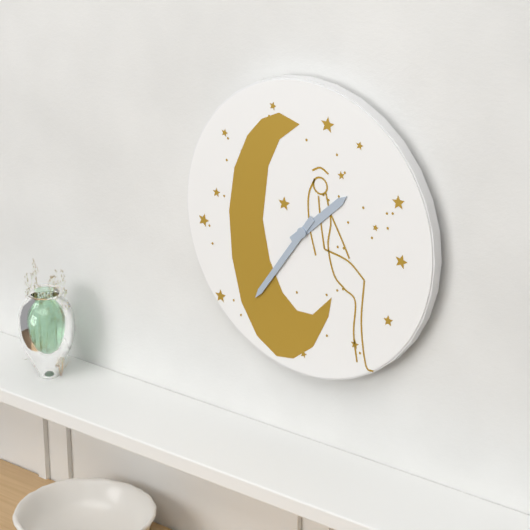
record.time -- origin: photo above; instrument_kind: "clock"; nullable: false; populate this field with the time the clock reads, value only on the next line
1:36
